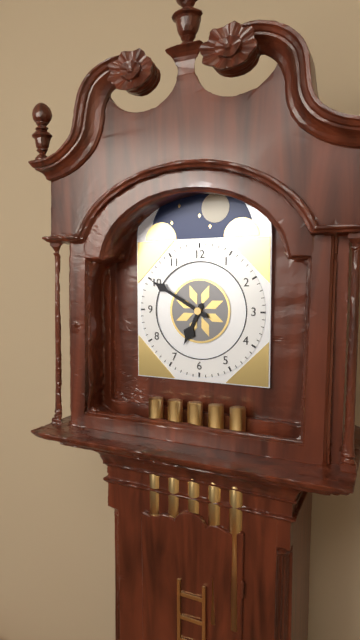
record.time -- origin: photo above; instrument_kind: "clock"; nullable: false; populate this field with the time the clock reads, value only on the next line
6:50
